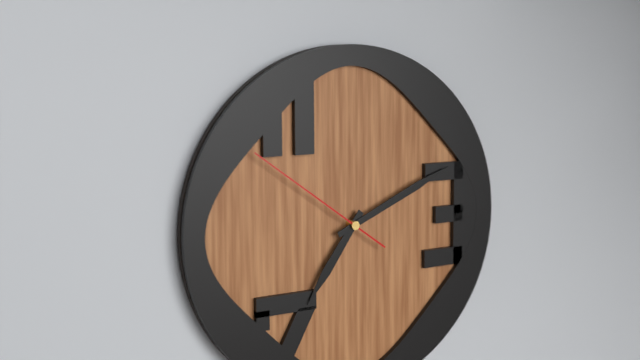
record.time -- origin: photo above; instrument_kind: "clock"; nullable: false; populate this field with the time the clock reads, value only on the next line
7:11:51
